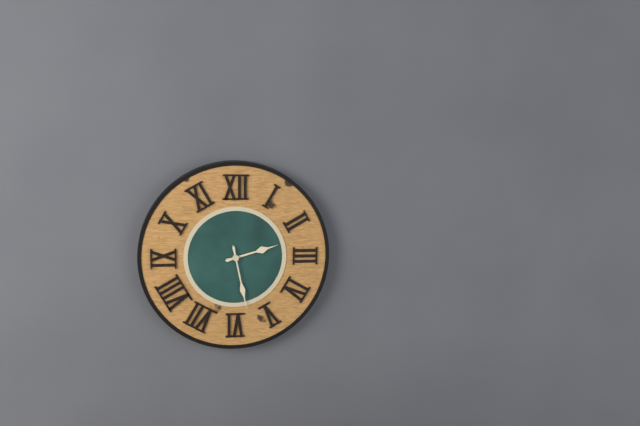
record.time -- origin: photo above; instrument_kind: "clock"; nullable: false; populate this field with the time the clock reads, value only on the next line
2:28
